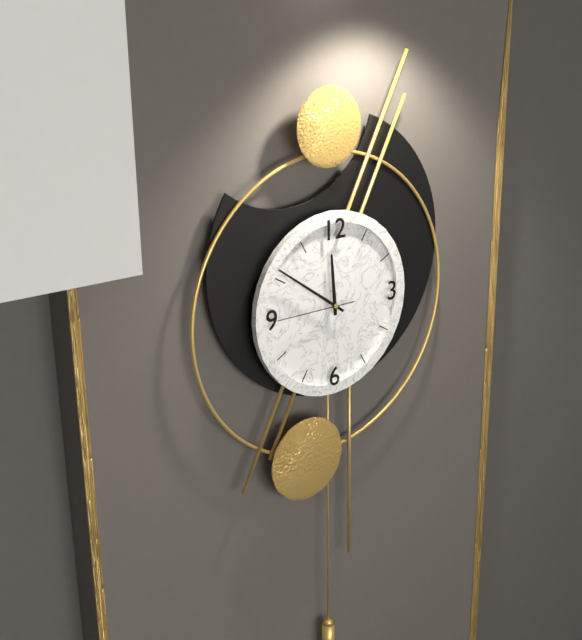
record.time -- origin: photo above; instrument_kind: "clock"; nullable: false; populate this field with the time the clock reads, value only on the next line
11:51:45
